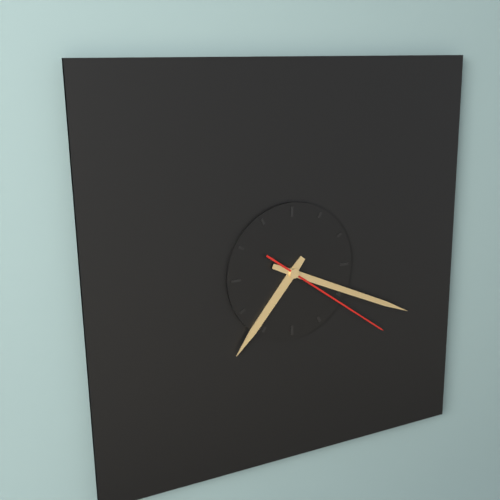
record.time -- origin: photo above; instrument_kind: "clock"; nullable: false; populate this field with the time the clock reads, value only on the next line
7:19:21
